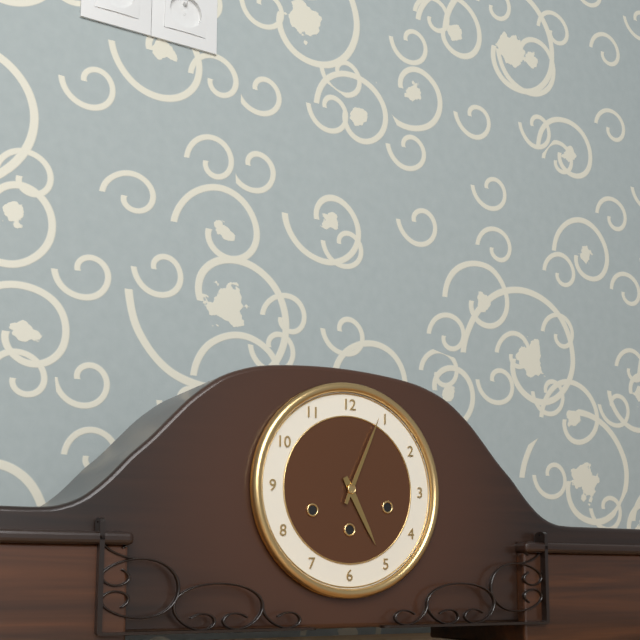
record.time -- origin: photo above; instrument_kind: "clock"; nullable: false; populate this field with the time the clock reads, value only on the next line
5:04
